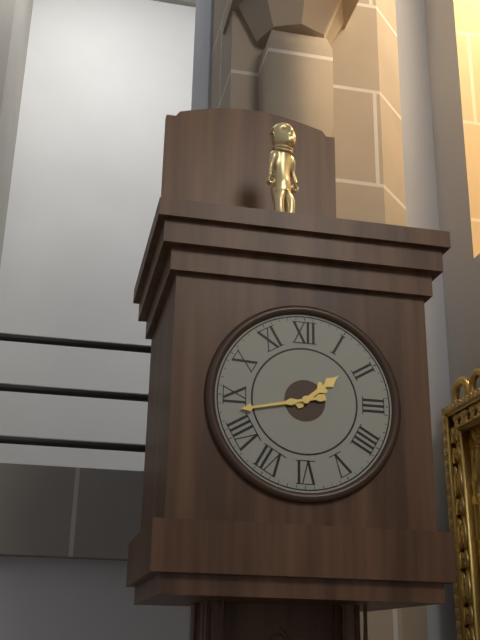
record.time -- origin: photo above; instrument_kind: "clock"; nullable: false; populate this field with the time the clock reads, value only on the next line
1:43
